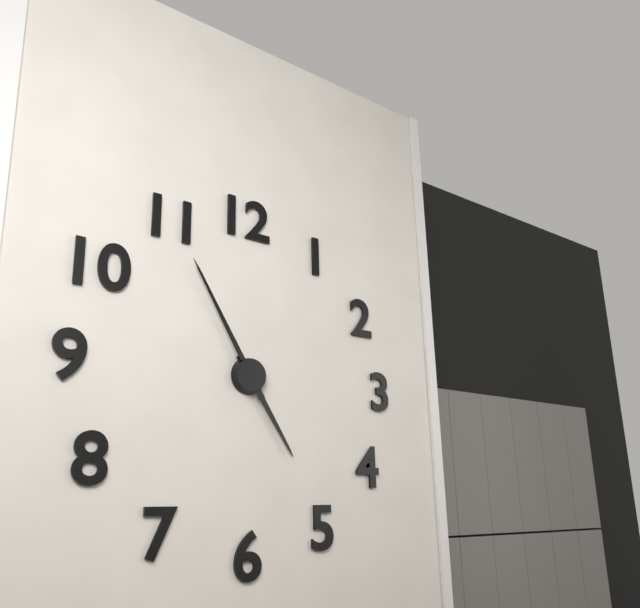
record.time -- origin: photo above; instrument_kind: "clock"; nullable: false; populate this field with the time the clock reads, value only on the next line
4:55
